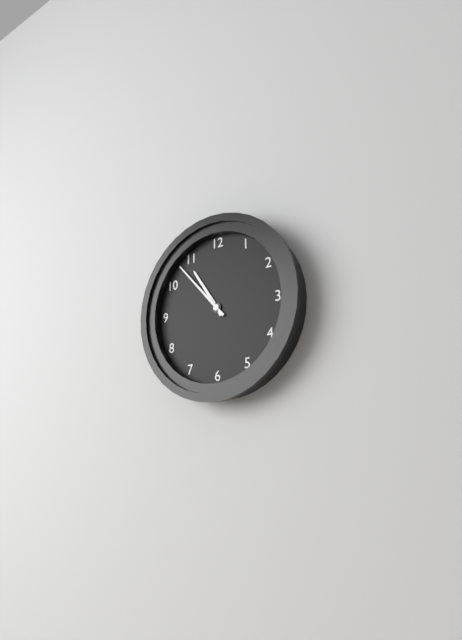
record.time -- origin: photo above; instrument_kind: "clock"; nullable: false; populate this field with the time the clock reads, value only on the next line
10:53
